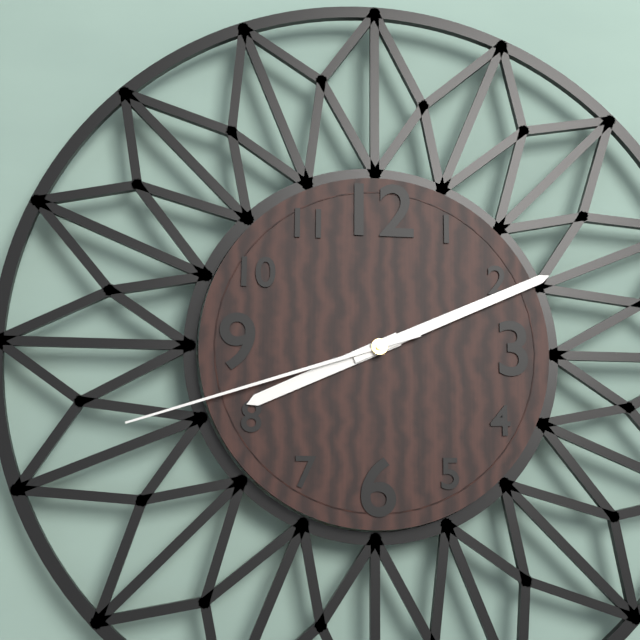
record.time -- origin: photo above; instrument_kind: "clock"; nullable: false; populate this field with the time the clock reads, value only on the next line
8:11:42
